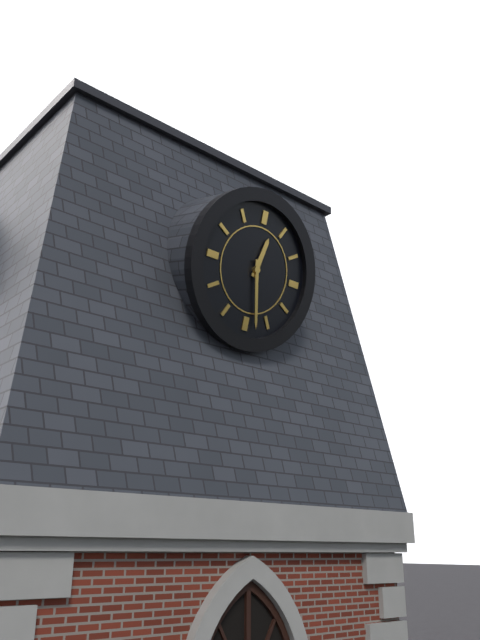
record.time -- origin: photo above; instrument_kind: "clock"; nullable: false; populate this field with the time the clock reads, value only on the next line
12:28
